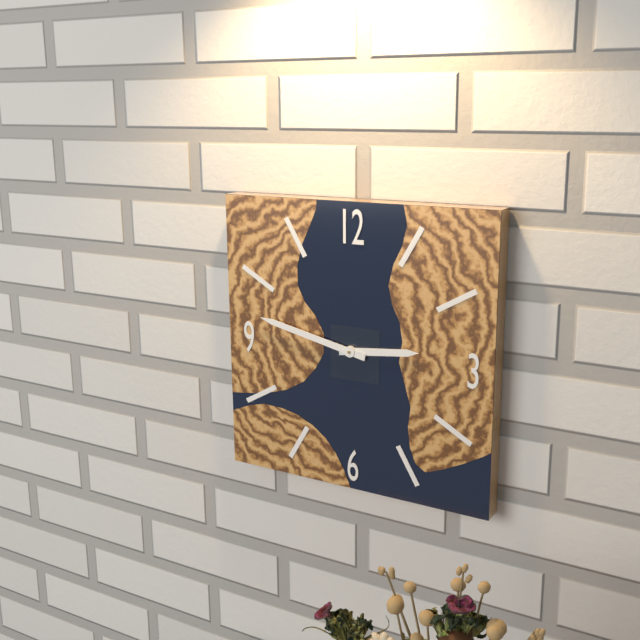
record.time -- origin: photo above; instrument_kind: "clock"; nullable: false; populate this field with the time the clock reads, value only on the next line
2:47
